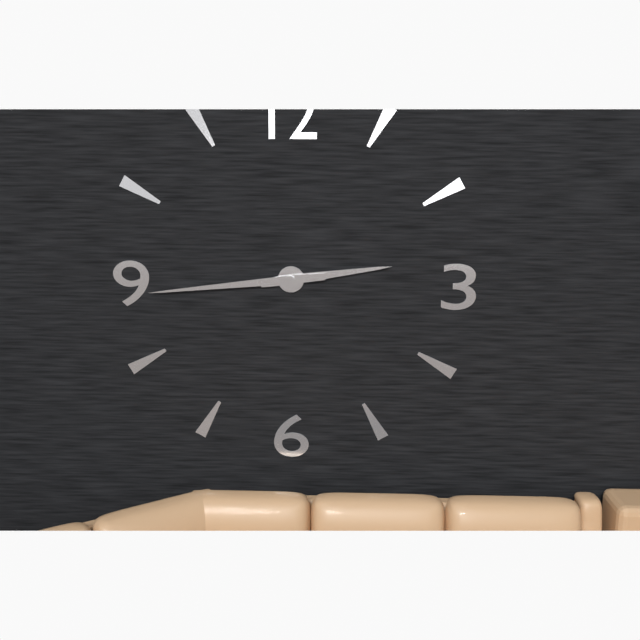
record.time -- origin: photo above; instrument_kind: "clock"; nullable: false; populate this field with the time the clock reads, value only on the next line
2:44
